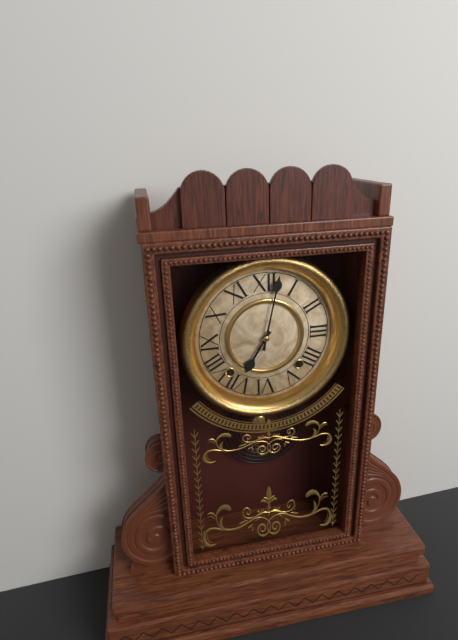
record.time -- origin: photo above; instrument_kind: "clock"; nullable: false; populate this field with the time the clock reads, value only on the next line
7:02
